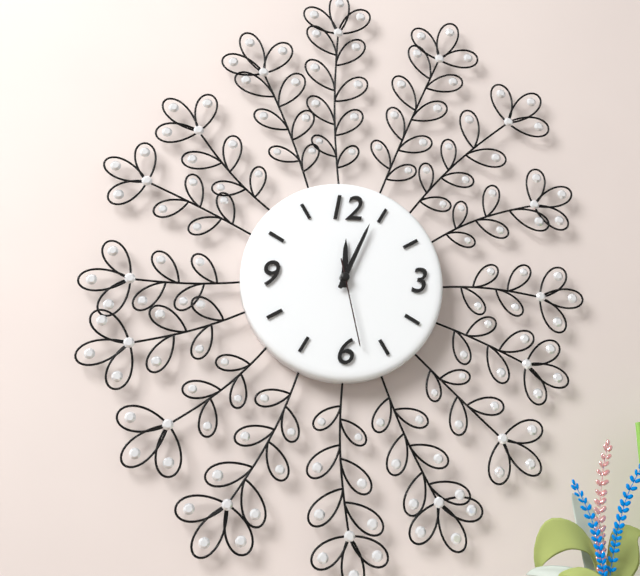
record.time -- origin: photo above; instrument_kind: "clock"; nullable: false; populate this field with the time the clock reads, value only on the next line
12:04:28
